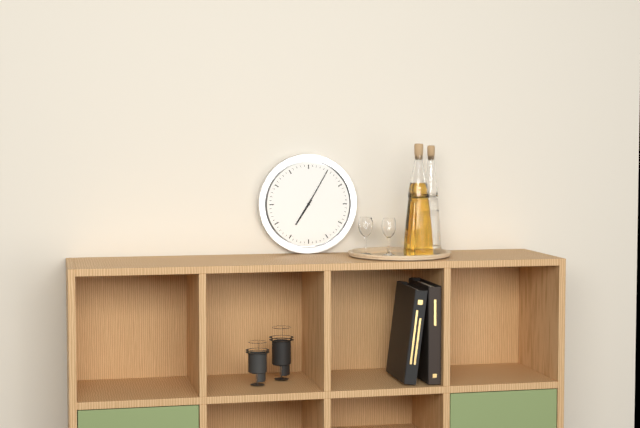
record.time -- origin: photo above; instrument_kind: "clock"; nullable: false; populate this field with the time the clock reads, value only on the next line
7:05
